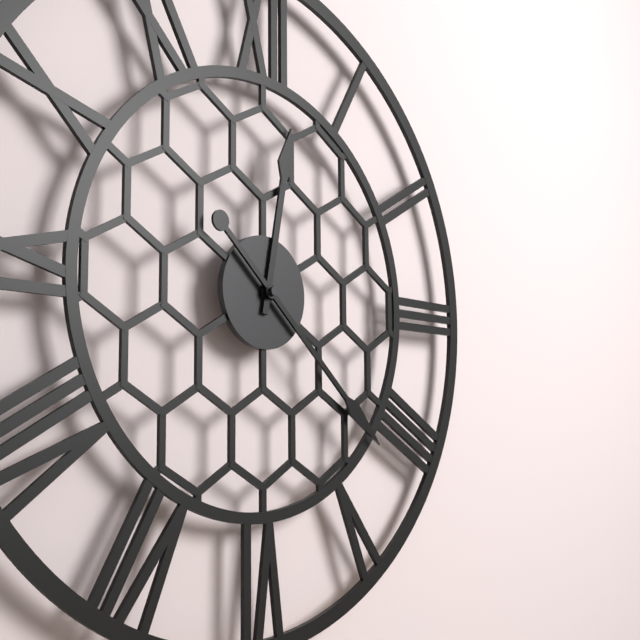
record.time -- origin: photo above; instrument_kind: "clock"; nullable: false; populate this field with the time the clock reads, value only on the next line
12:22
